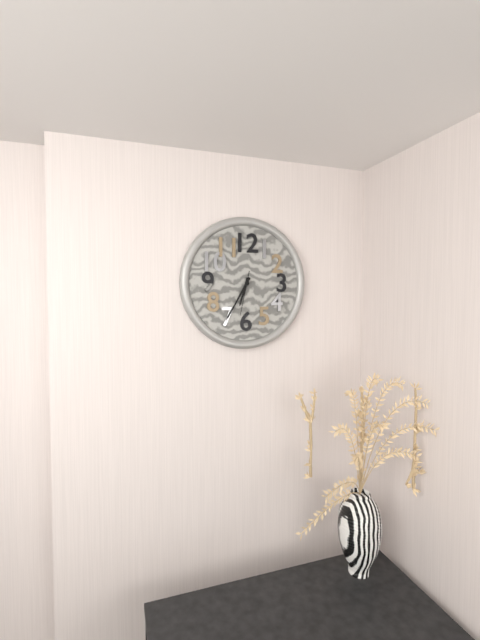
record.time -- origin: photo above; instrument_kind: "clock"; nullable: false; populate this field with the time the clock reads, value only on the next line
6:35
